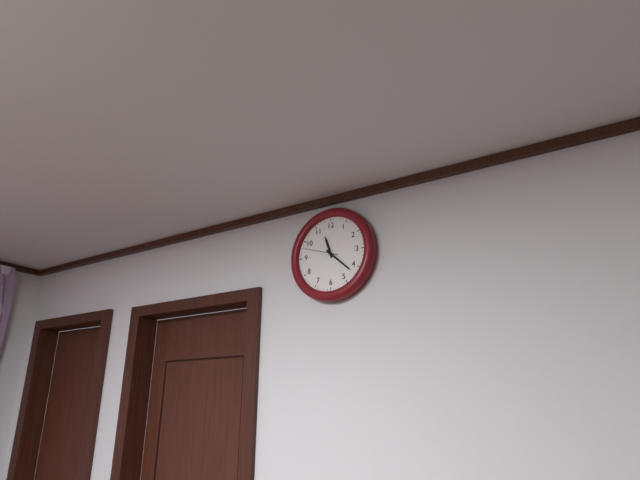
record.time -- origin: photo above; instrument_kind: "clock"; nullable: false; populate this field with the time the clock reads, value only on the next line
11:22
